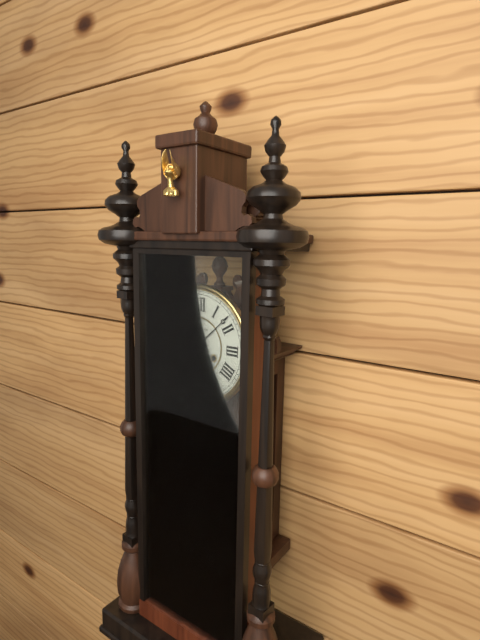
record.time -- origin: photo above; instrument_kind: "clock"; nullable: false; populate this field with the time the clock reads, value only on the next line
9:08
